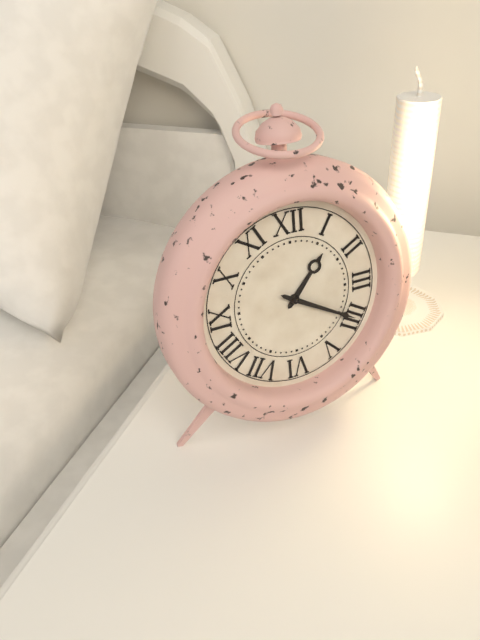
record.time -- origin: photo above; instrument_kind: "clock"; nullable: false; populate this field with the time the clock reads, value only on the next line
1:20
